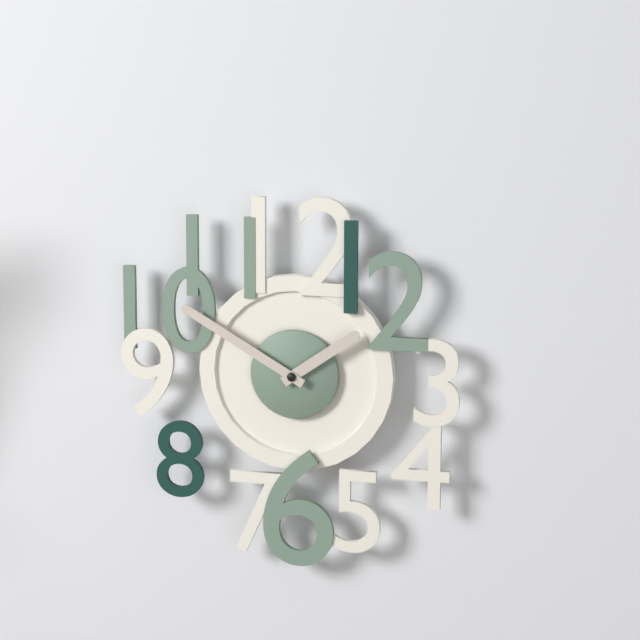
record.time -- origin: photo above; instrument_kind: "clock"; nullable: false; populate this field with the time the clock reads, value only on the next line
1:50
